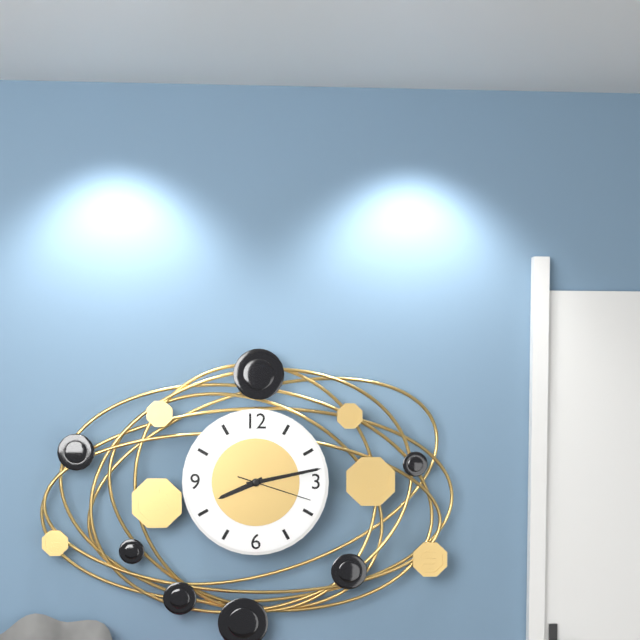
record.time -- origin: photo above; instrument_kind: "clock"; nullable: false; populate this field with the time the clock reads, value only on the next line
8:13:18
